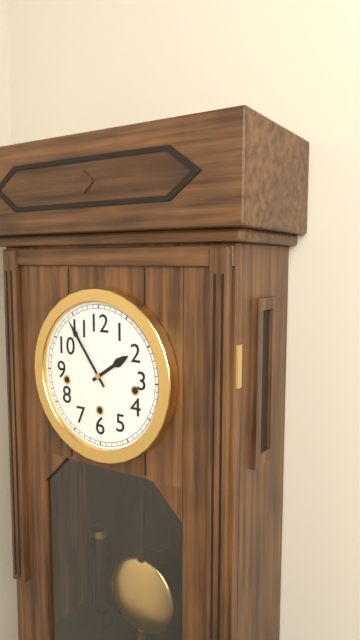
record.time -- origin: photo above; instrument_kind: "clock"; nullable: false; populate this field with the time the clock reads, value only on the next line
1:54
